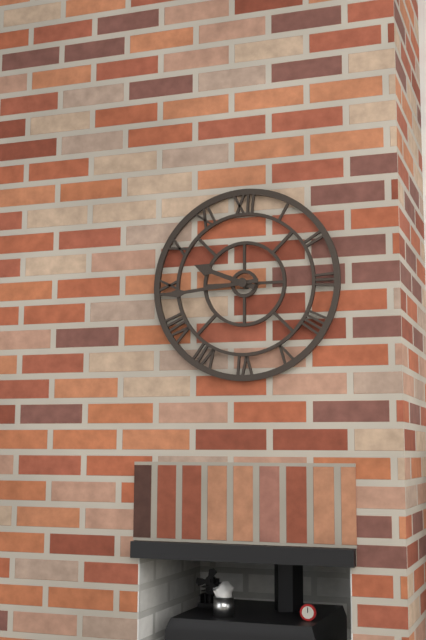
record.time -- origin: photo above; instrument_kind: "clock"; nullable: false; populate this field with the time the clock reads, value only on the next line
9:44
